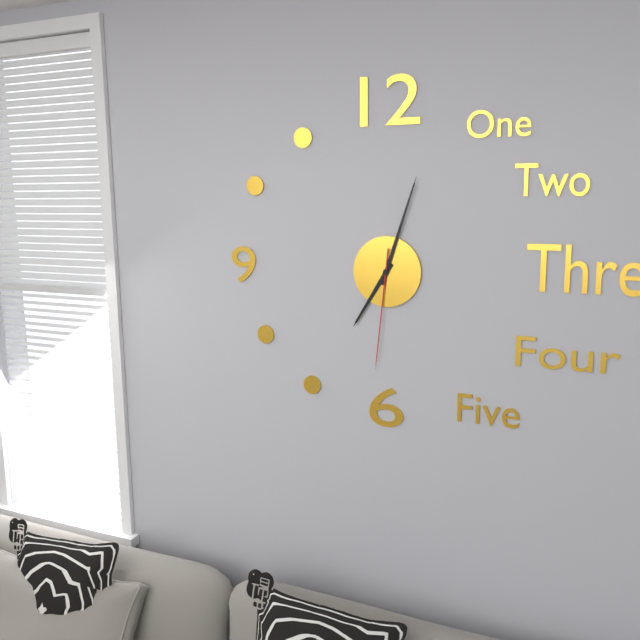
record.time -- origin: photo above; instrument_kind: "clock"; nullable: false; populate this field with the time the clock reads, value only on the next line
7:03:31
